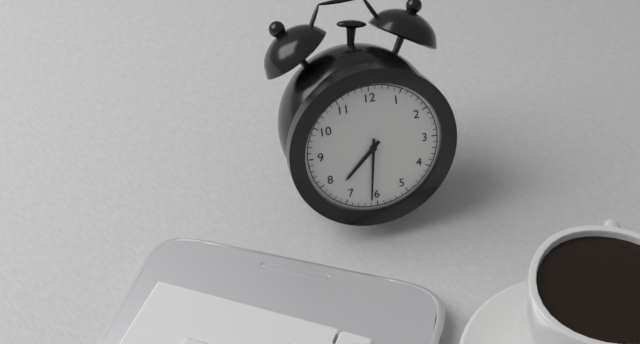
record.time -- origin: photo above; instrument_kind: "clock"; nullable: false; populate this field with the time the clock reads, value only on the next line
7:31
